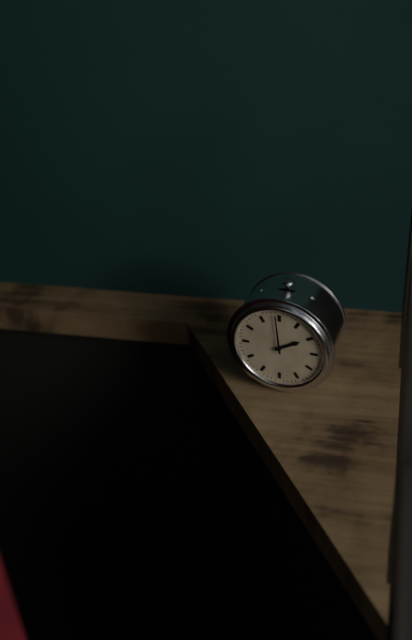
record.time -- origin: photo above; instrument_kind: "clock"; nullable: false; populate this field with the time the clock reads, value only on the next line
1:59
